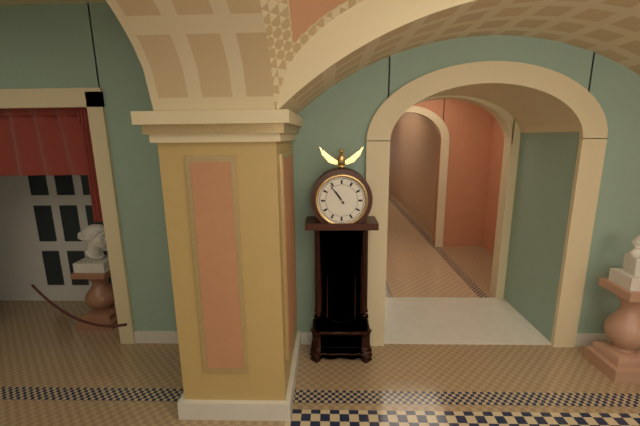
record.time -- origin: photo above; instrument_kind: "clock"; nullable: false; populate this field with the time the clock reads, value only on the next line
10:54
